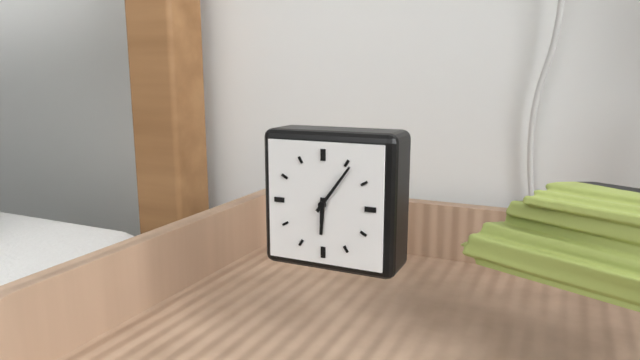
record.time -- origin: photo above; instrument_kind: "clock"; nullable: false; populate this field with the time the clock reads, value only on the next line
6:06
